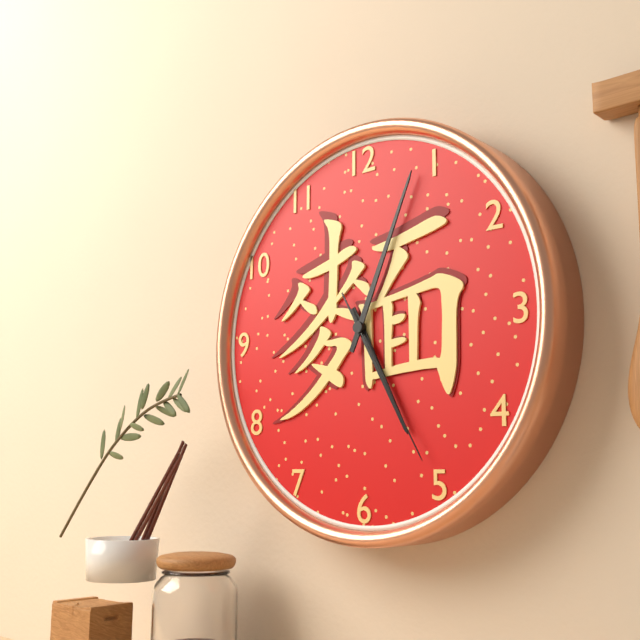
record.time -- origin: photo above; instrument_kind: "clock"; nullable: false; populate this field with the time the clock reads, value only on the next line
5:04:25
